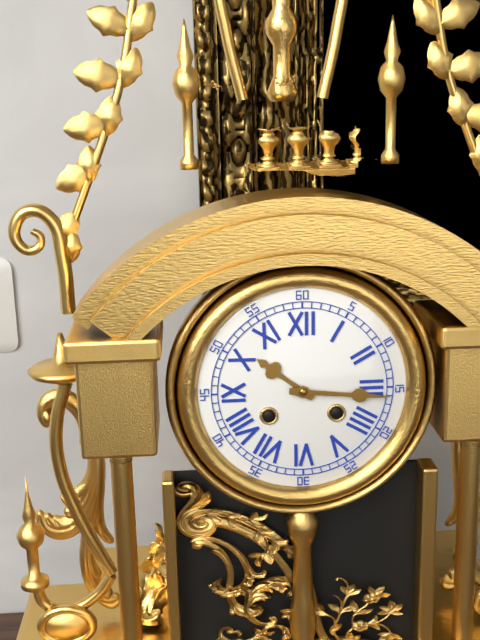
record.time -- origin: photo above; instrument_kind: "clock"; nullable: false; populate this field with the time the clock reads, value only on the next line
10:16
